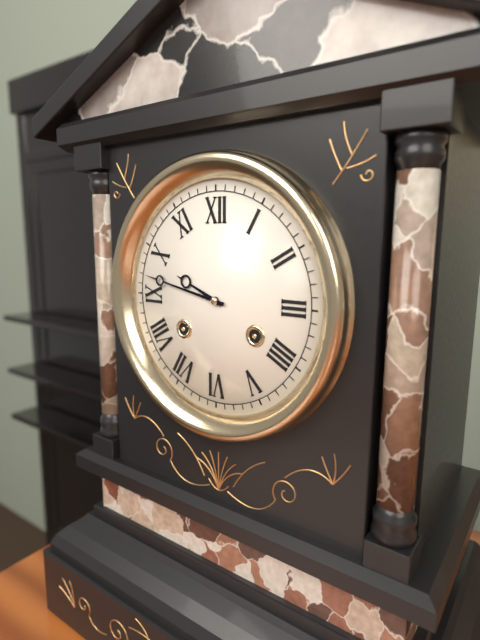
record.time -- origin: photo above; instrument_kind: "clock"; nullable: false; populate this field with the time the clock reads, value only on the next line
9:47
